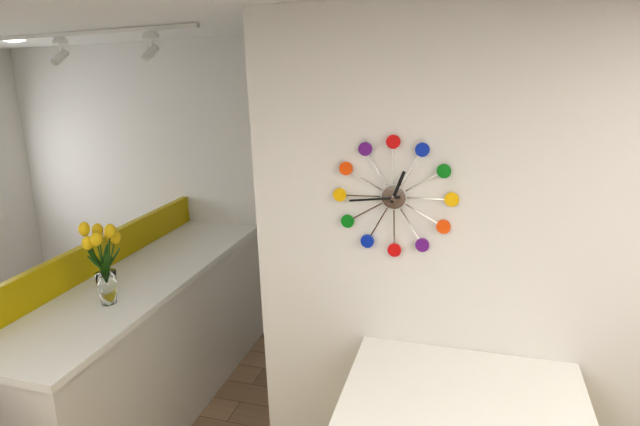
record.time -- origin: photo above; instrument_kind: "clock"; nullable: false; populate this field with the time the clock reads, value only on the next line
12:44
